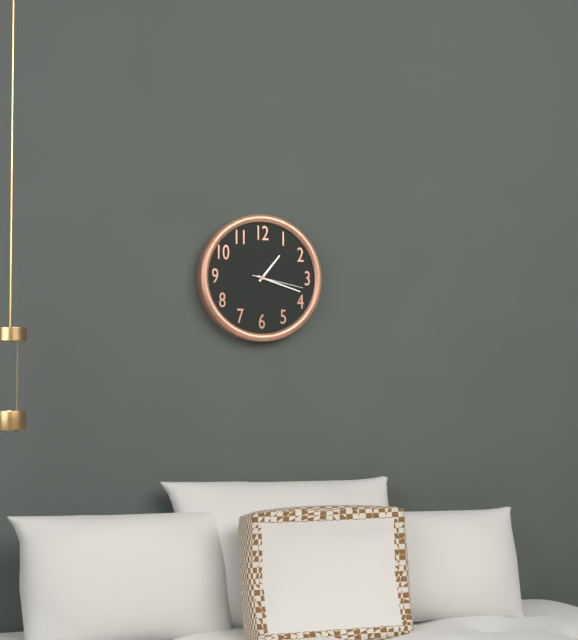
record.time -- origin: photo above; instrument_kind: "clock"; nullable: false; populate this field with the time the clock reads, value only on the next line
1:18:17
